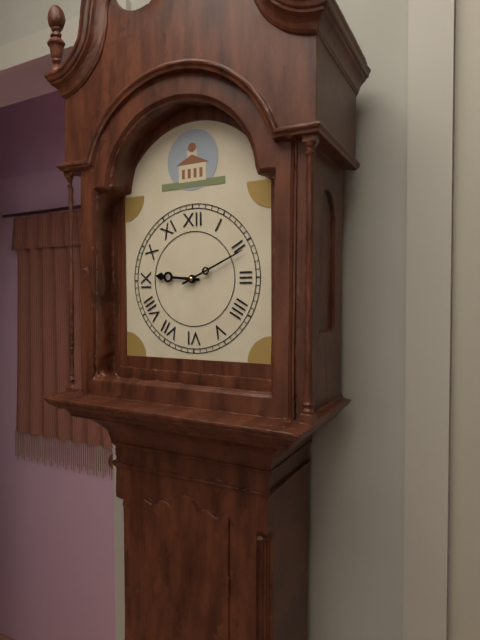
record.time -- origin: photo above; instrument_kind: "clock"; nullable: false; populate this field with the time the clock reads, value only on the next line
9:11
